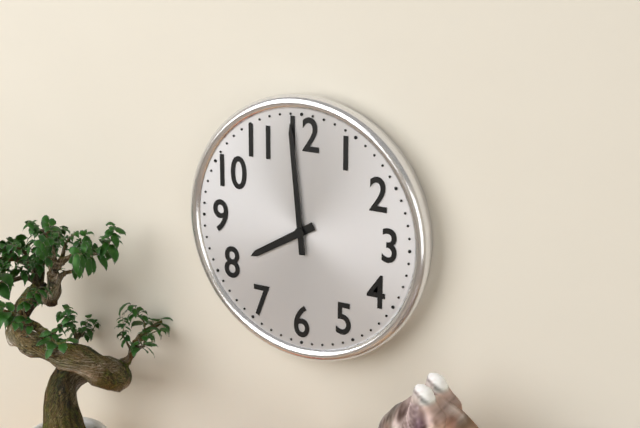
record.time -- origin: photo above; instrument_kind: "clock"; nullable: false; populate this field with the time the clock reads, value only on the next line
7:59
